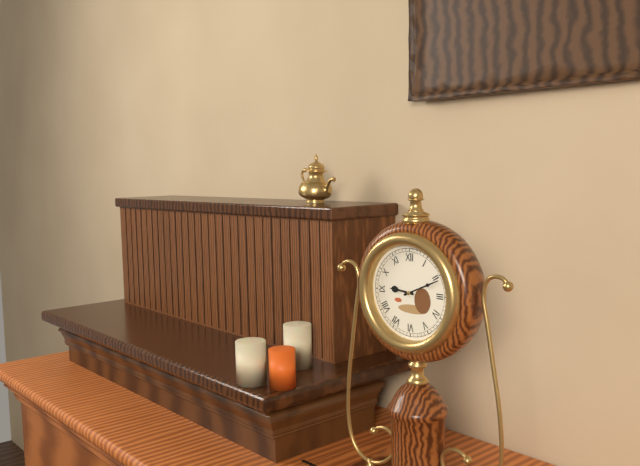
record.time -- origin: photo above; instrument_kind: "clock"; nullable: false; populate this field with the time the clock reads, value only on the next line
9:11
